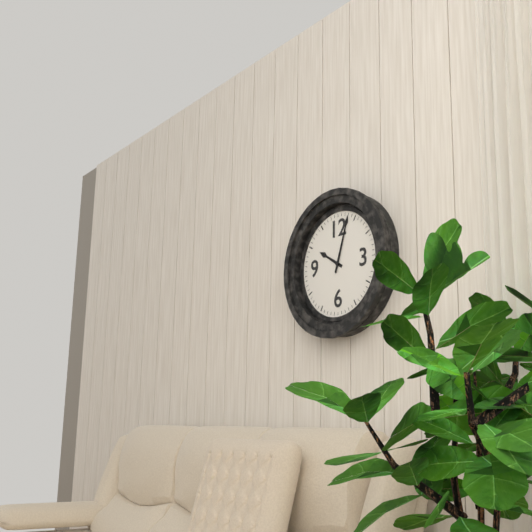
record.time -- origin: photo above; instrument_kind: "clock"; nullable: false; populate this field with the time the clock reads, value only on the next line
10:03
